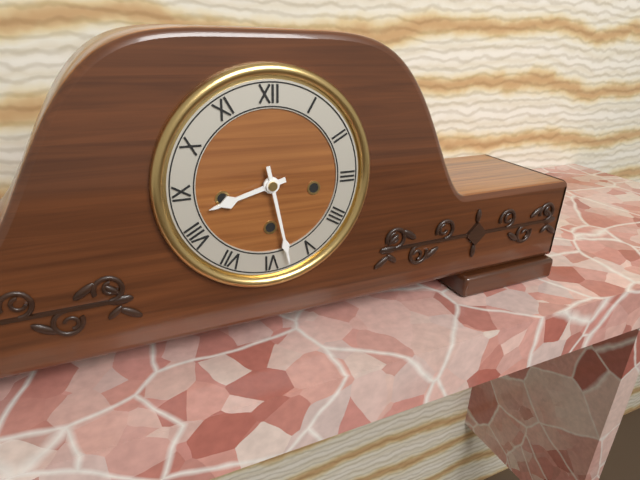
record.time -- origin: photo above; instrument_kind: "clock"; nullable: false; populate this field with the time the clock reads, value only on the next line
8:28
